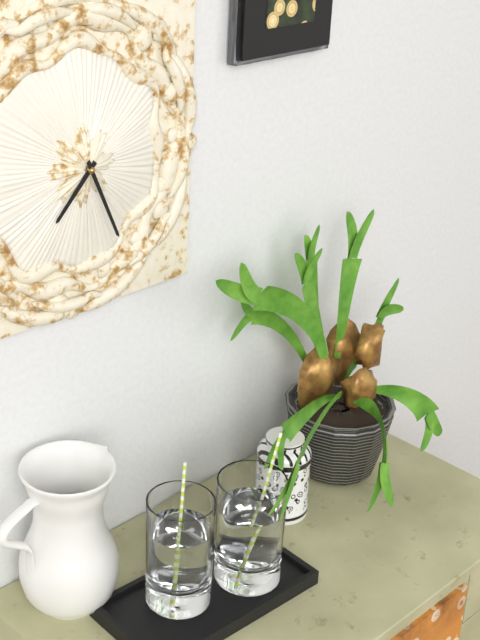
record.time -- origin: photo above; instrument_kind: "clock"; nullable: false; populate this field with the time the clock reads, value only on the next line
7:26
